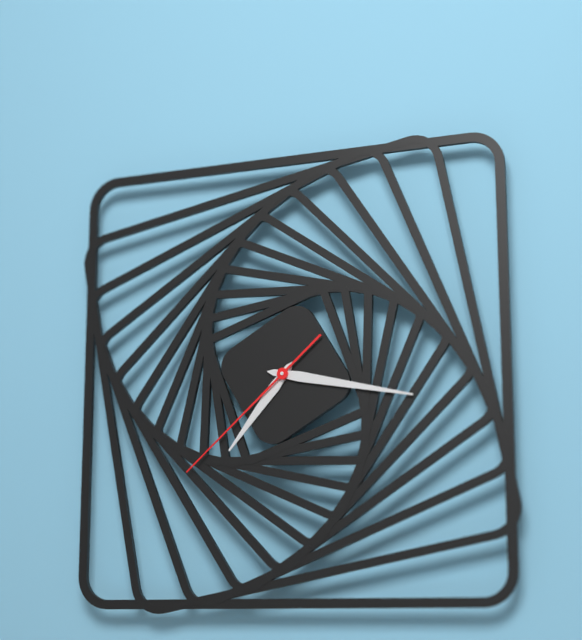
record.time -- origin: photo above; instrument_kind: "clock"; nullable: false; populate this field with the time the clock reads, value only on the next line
7:17:38
